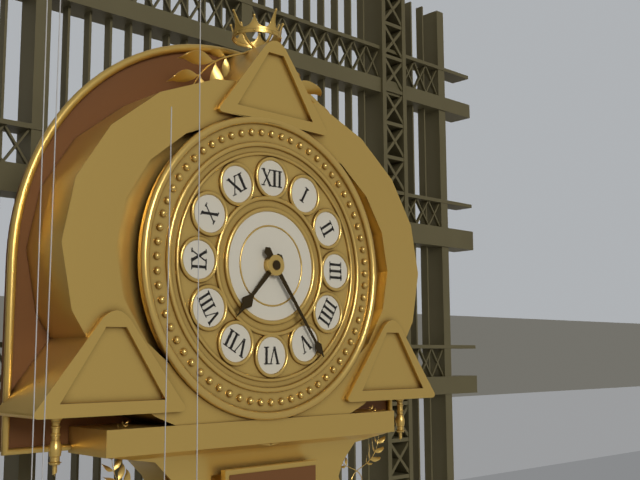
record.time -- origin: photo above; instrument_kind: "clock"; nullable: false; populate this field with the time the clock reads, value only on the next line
7:24
